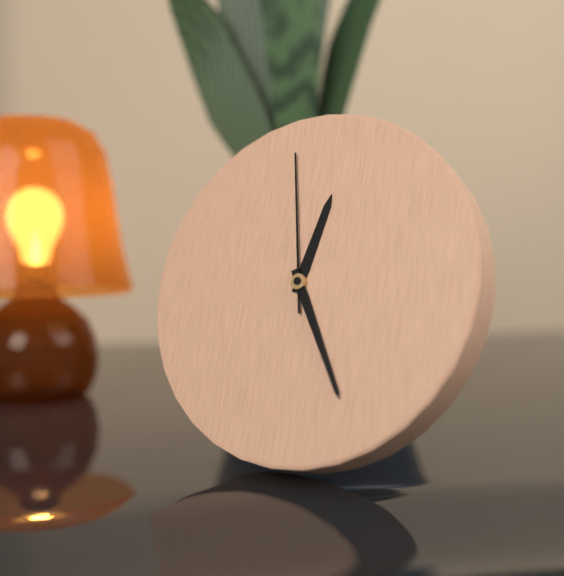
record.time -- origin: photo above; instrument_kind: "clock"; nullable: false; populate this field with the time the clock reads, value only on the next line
12:25:58
